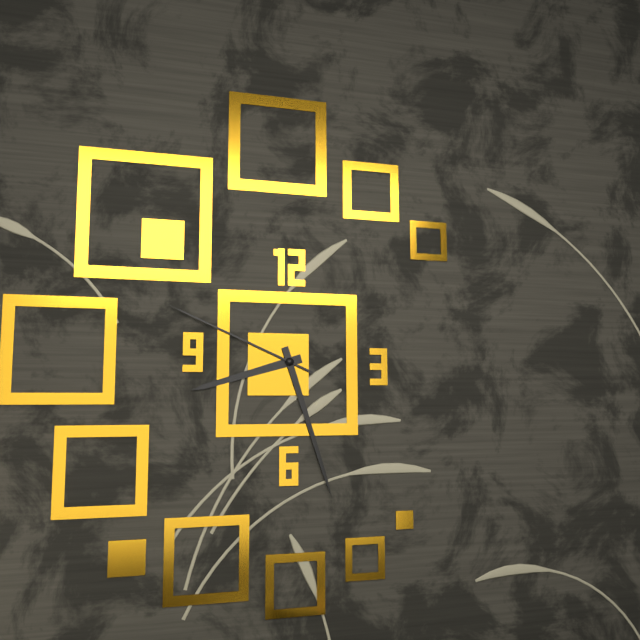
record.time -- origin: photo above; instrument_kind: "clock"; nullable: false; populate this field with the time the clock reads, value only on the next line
8:27:49
